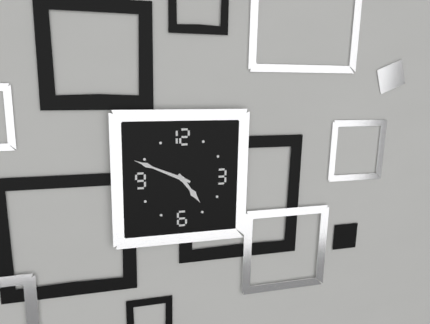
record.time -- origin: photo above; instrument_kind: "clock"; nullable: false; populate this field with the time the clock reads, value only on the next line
4:49
